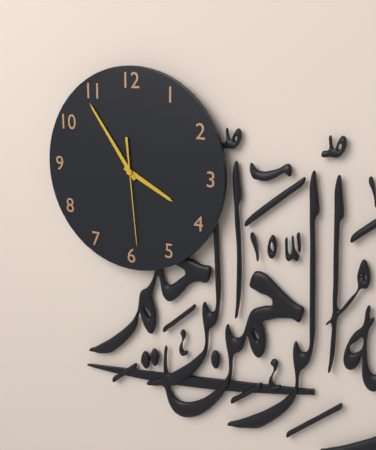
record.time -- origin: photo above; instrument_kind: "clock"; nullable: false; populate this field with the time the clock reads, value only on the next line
3:54:29
